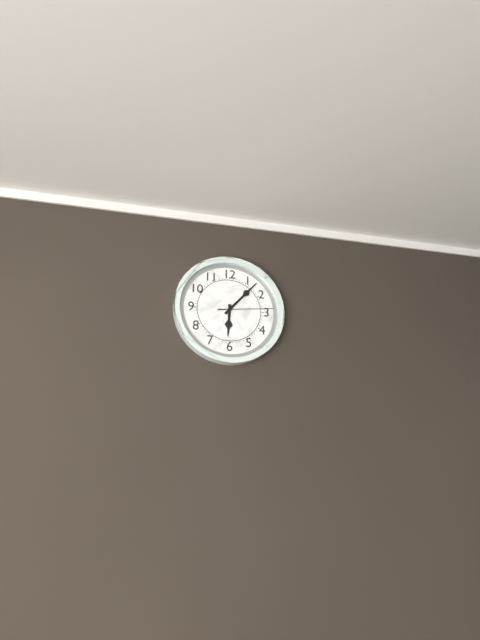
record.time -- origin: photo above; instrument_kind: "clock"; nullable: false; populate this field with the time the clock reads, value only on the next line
6:07:14
